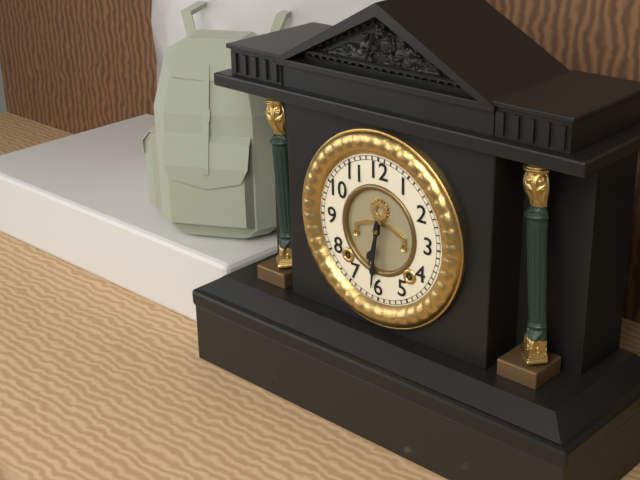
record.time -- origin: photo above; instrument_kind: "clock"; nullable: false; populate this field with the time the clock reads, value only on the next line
6:31
